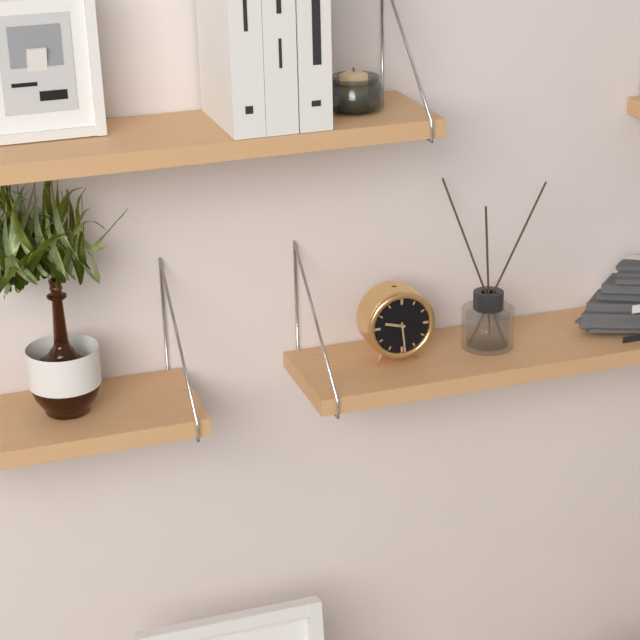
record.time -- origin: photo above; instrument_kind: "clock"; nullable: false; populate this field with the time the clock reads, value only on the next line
9:29
